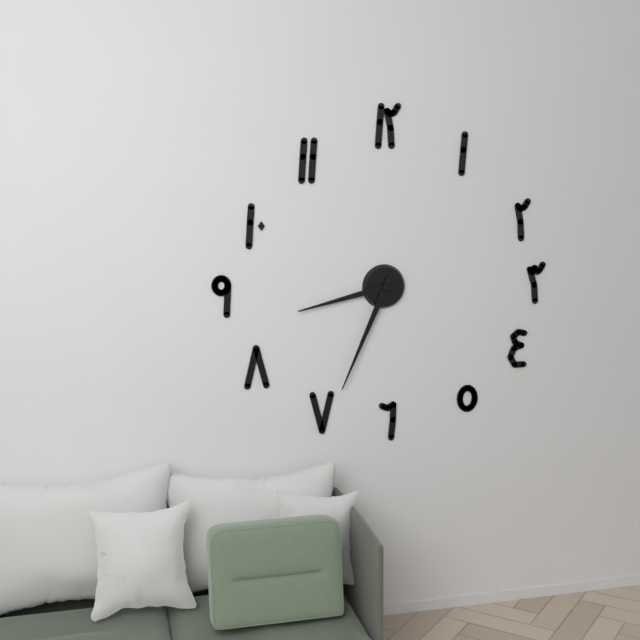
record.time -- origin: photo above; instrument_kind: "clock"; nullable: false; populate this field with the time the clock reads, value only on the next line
8:34
